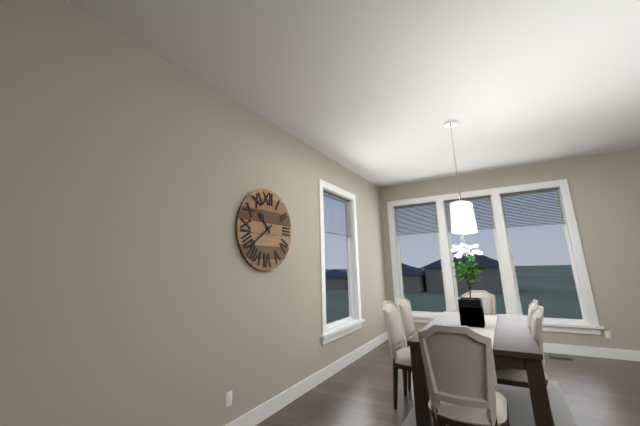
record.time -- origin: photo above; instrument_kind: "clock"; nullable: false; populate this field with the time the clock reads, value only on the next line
10:39
